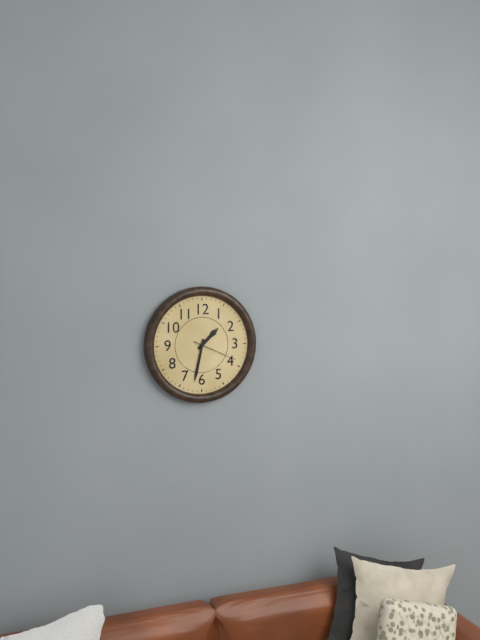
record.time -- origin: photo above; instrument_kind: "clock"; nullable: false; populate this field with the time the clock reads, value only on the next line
1:32
